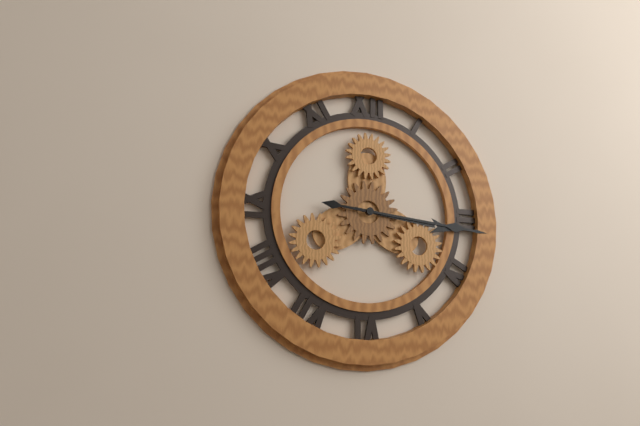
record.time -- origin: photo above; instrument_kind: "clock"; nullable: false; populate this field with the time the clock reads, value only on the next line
3:16
